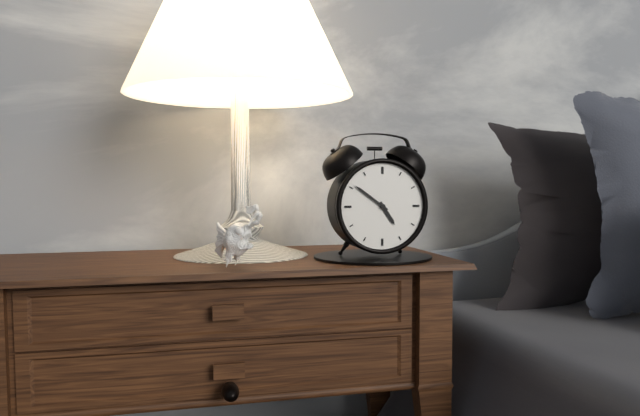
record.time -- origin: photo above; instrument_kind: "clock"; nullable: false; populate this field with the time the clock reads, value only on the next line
4:51
